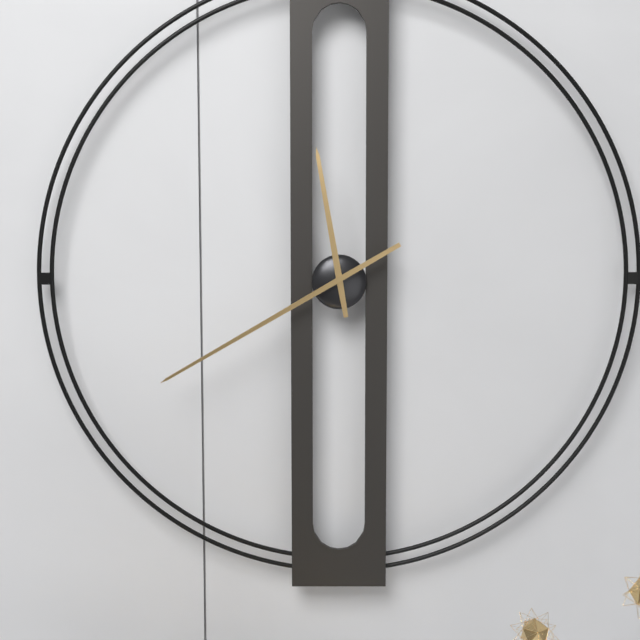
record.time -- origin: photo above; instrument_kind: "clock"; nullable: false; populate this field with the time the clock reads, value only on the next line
11:40
